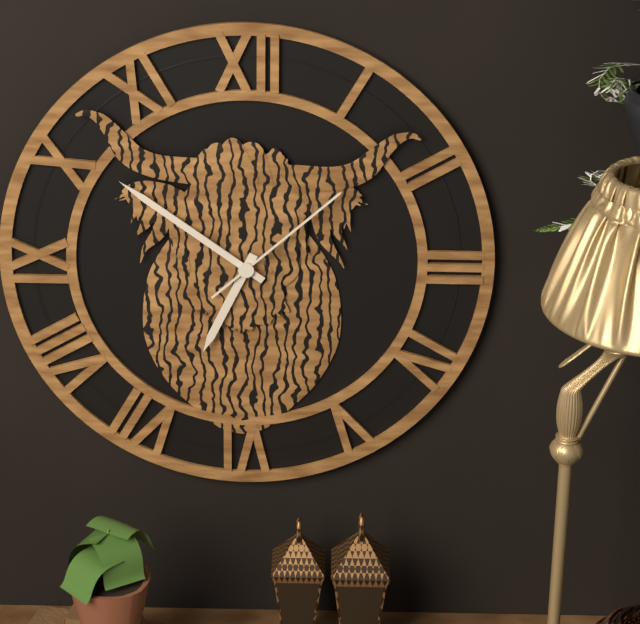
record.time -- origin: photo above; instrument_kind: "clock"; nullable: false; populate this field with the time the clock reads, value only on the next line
6:51:08
